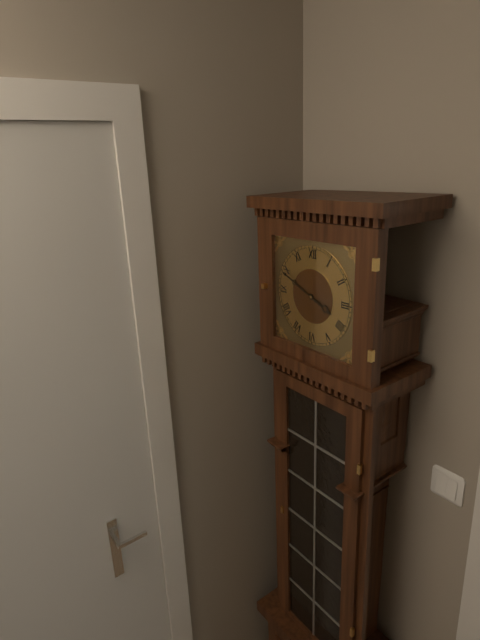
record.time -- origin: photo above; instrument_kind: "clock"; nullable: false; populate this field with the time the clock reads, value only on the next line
3:49
